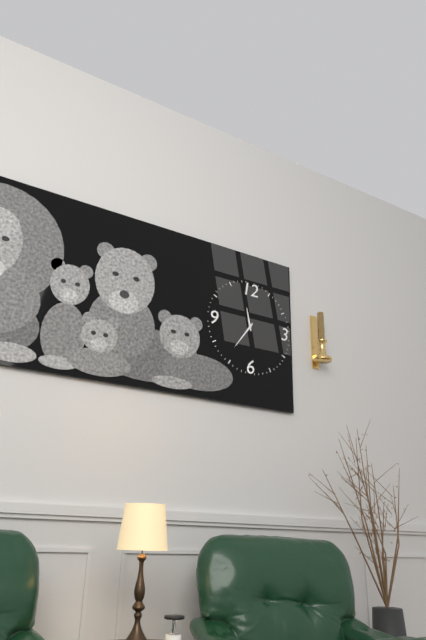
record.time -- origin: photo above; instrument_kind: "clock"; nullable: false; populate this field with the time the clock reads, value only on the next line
11:36
